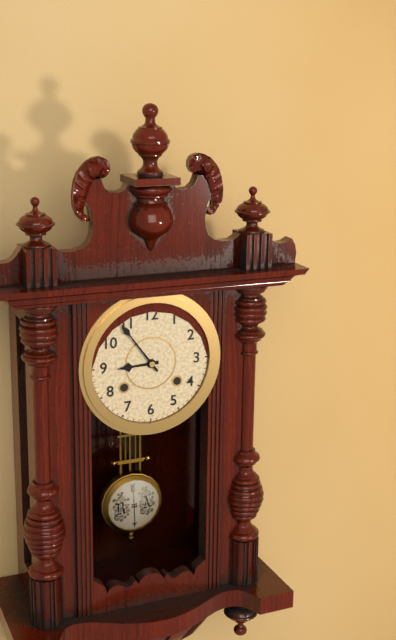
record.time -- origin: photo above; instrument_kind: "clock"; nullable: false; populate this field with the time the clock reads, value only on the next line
8:54
